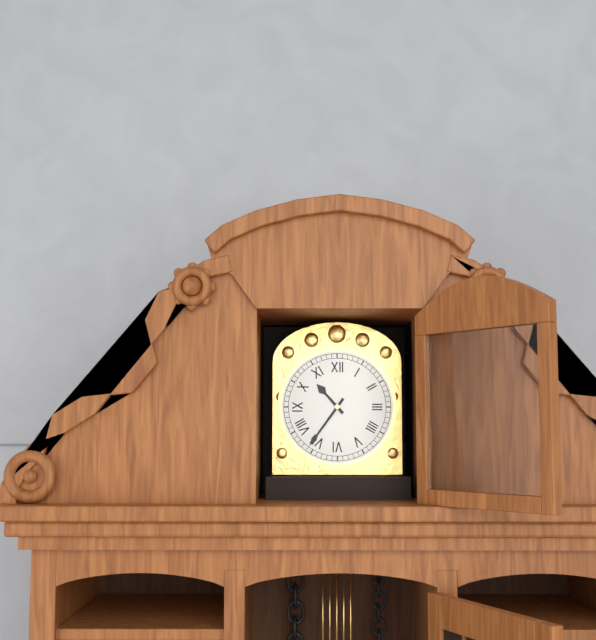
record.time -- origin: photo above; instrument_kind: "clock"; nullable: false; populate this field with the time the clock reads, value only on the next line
10:36
